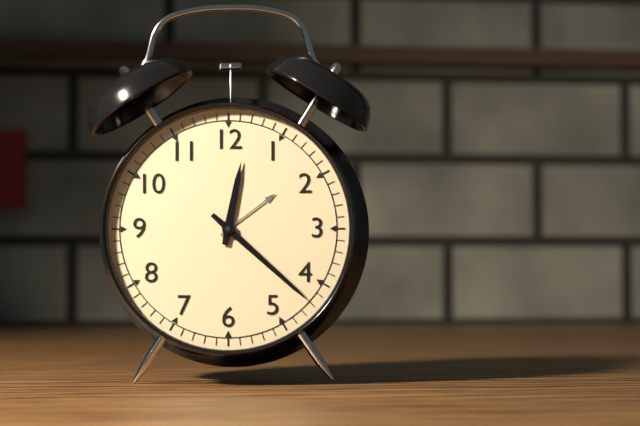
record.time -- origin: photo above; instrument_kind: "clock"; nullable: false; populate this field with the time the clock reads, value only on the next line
12:22
